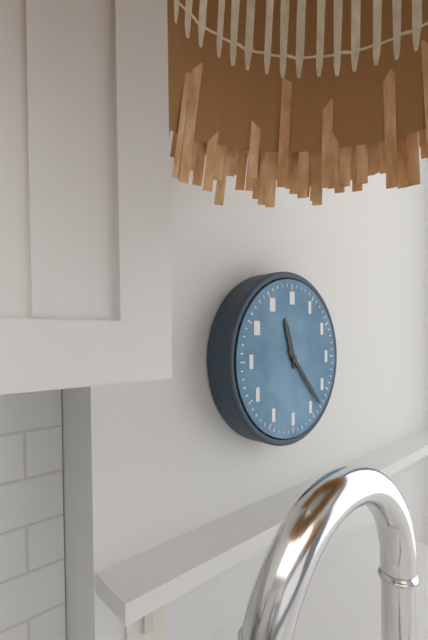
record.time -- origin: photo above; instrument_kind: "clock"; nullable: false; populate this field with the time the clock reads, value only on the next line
11:23
